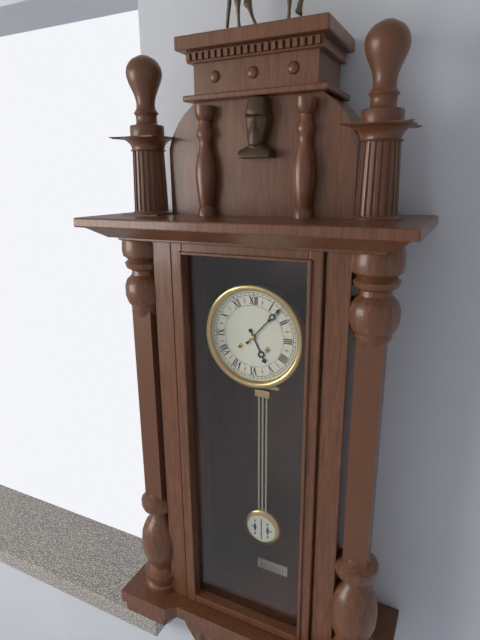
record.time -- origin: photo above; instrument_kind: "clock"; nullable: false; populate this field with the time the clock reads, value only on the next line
5:07
